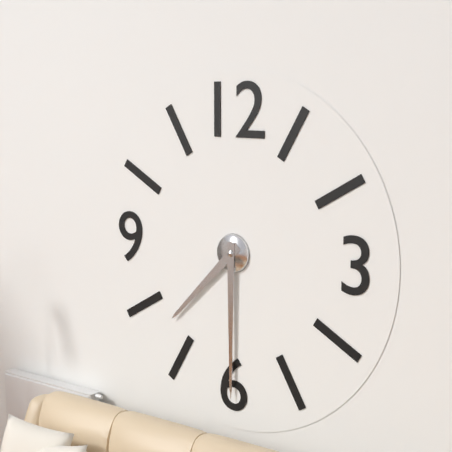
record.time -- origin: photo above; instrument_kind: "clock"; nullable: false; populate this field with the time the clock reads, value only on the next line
7:30
